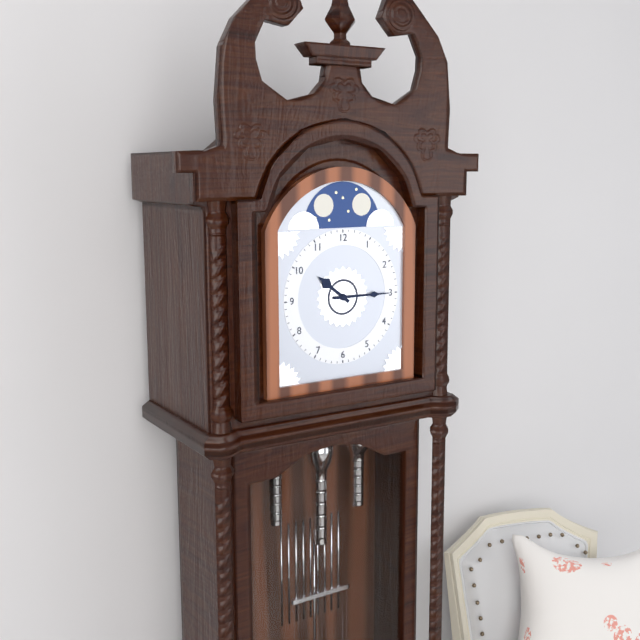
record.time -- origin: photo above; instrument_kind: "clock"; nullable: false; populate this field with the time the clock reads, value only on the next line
10:15
